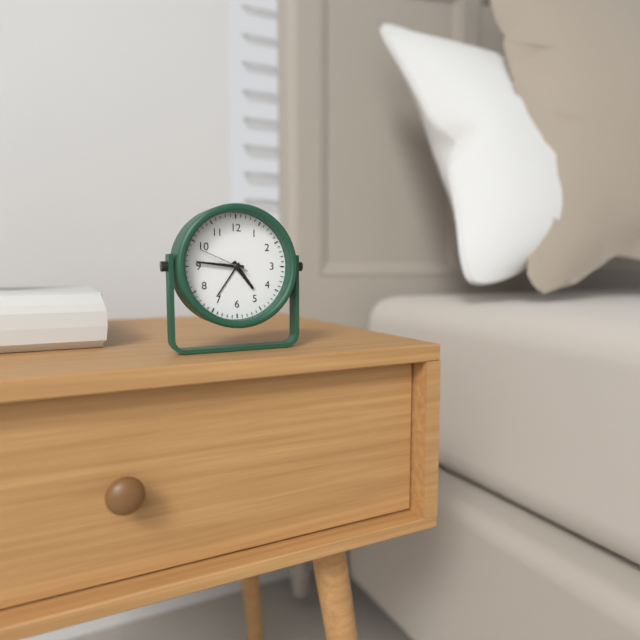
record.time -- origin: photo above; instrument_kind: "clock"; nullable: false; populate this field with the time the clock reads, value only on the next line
4:46:49
